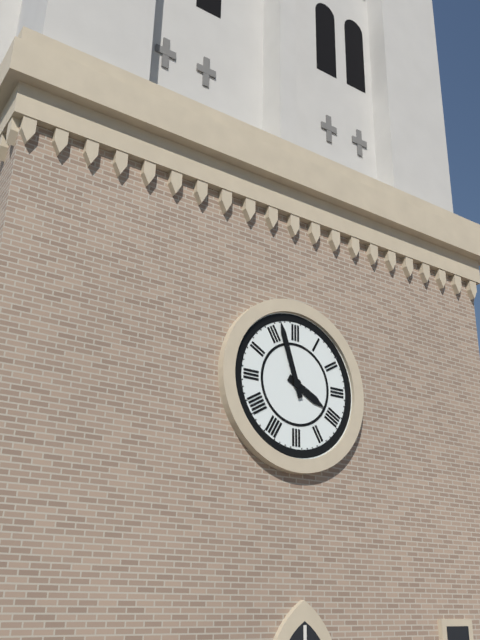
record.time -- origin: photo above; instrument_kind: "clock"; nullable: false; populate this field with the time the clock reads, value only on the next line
3:57
